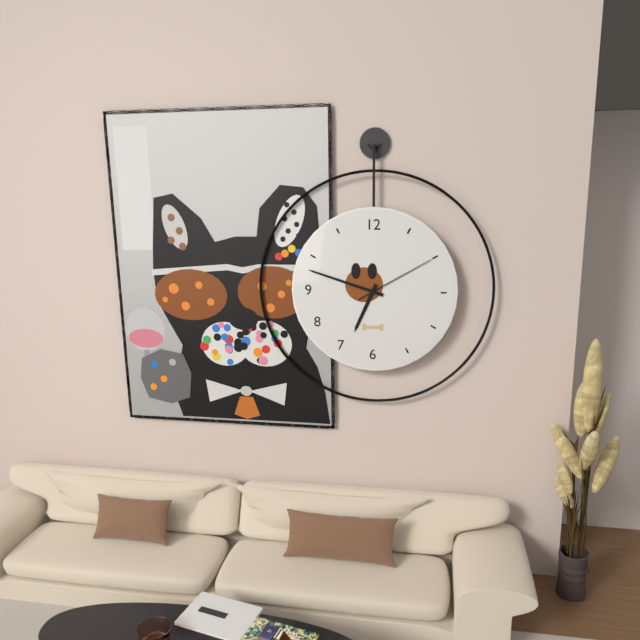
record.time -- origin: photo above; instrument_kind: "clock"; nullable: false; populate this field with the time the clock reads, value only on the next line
6:48:10
